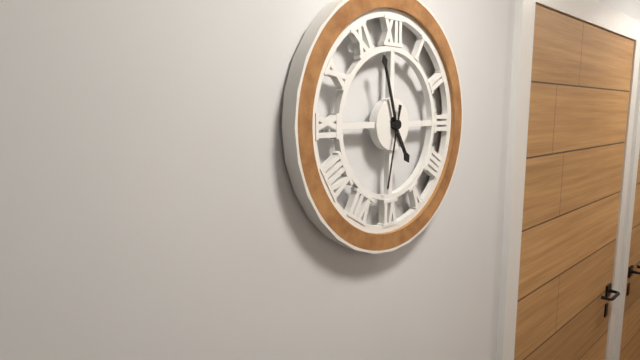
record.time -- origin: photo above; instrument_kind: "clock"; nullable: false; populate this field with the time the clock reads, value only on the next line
4:57:32
